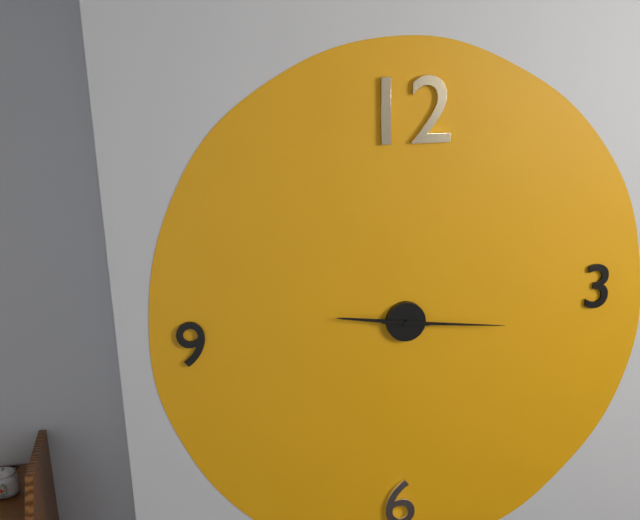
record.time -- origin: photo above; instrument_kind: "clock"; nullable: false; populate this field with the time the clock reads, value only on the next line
9:16
